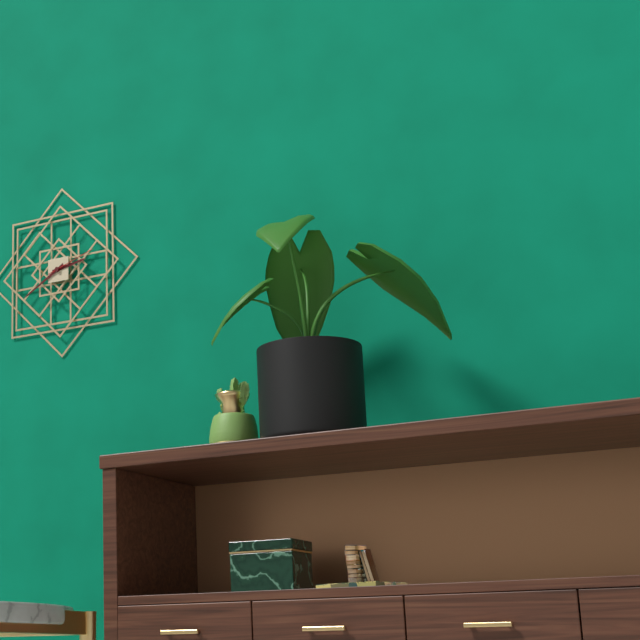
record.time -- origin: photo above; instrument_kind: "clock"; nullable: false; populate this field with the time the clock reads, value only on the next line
2:40
